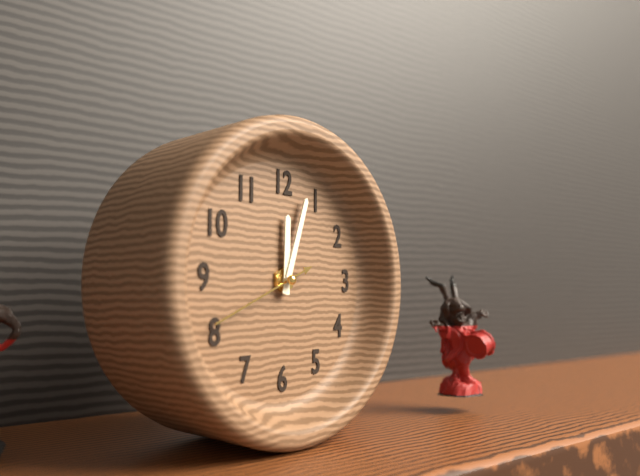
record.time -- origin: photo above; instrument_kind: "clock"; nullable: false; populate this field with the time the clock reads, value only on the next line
12:03:41
